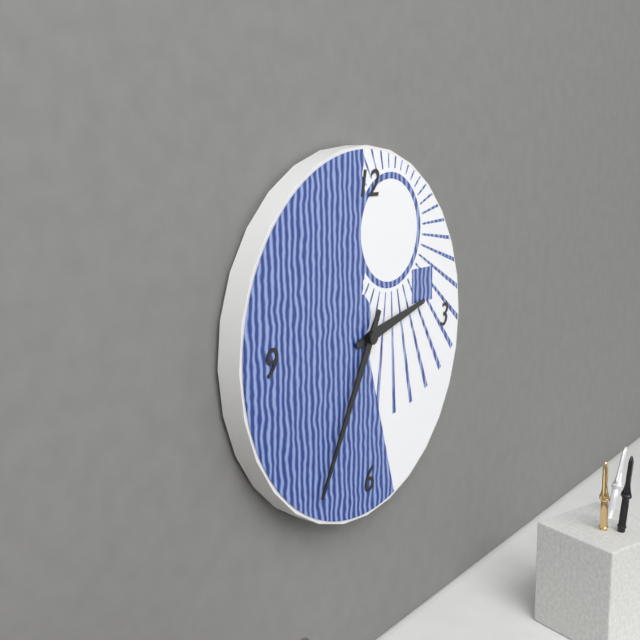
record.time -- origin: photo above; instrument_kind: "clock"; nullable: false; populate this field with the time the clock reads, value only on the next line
2:35
